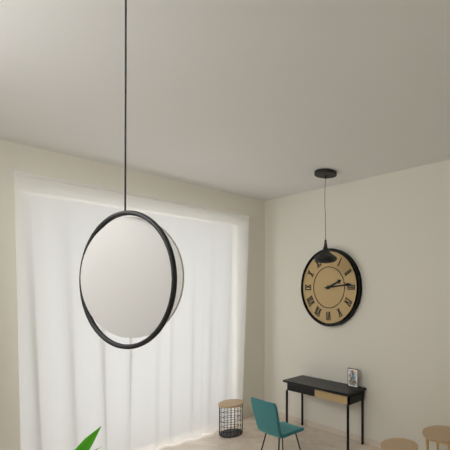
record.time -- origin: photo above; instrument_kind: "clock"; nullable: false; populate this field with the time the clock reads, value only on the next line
2:14
